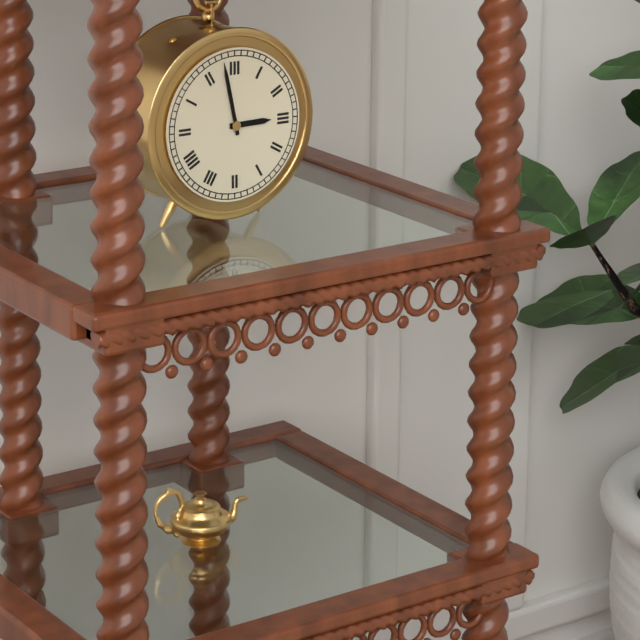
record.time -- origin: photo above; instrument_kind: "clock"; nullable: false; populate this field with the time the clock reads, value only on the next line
2:58
